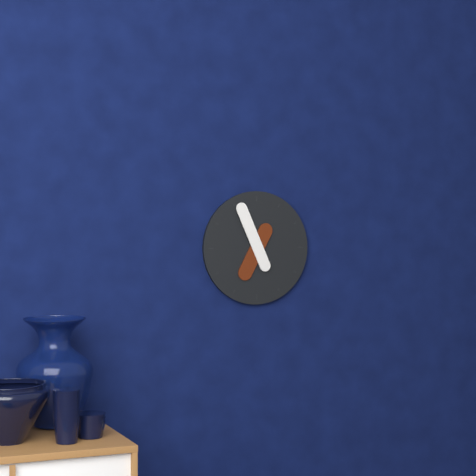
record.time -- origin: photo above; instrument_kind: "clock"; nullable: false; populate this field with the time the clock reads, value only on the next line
6:56
